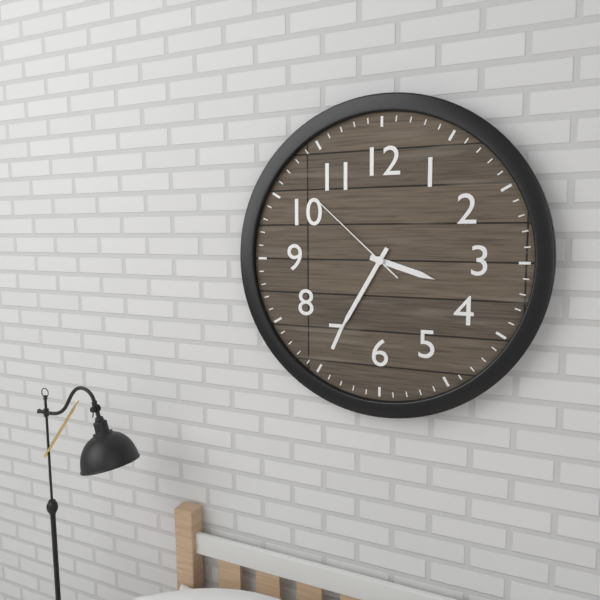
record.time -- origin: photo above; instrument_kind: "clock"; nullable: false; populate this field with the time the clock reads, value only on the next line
3:35:52
